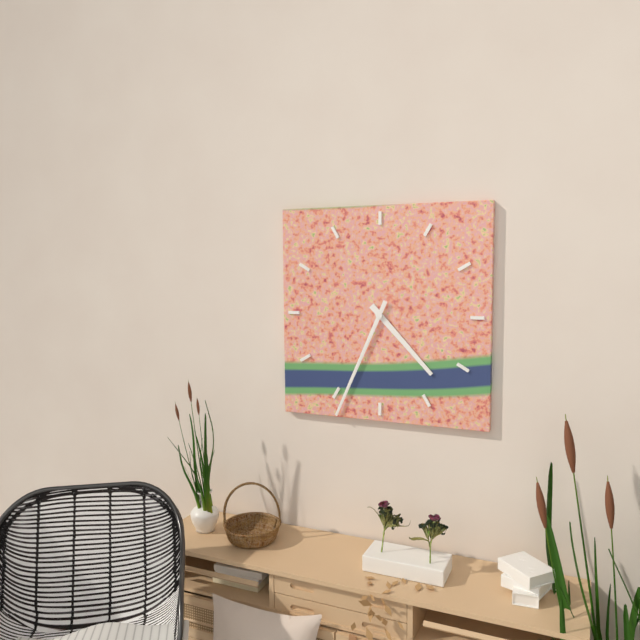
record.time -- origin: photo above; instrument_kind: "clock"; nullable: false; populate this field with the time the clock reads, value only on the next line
4:34
